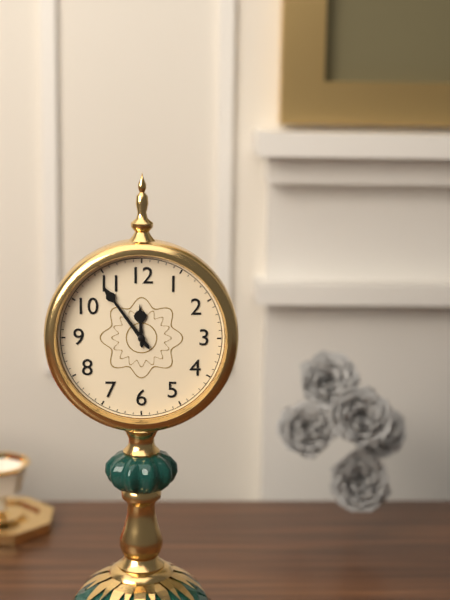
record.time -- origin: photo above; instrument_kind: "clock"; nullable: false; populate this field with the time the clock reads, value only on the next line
11:54
